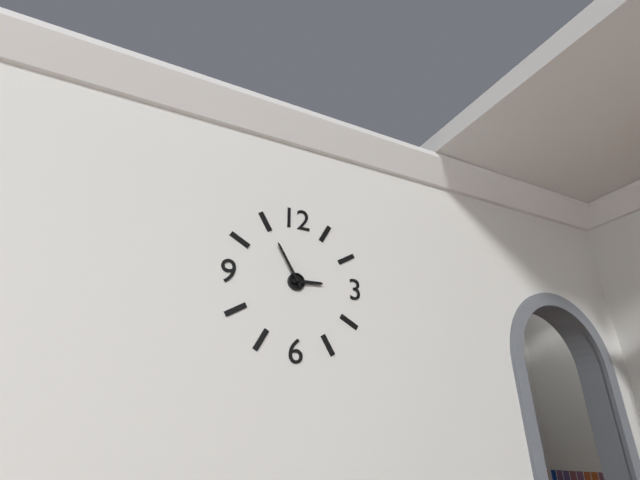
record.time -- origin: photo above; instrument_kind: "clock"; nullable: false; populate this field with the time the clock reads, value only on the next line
2:55
